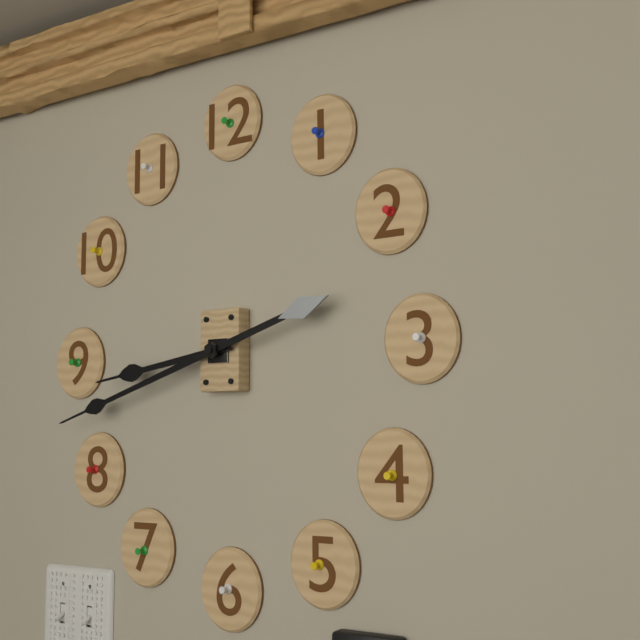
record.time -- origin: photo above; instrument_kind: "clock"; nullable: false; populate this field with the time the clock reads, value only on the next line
8:42
